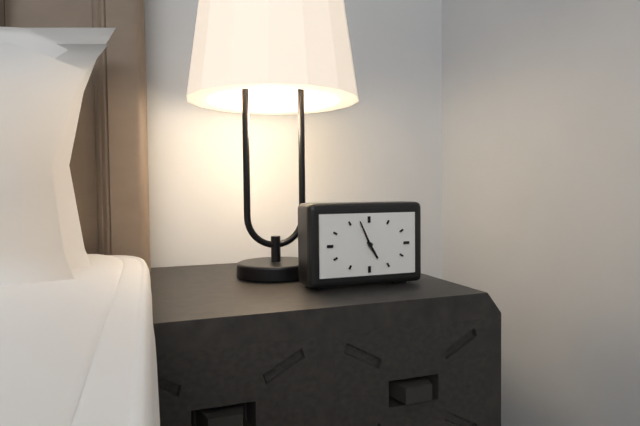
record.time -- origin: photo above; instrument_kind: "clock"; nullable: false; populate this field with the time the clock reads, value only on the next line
4:56
